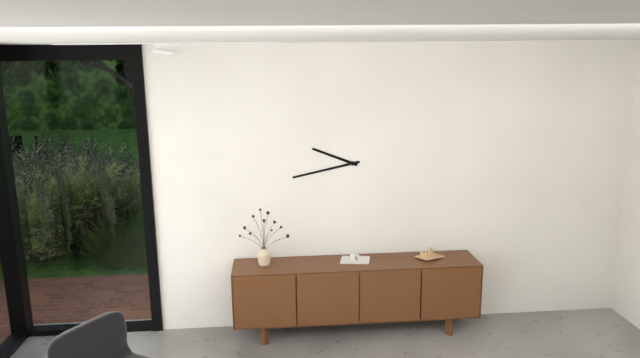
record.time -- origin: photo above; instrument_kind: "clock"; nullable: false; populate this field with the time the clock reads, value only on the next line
9:43
